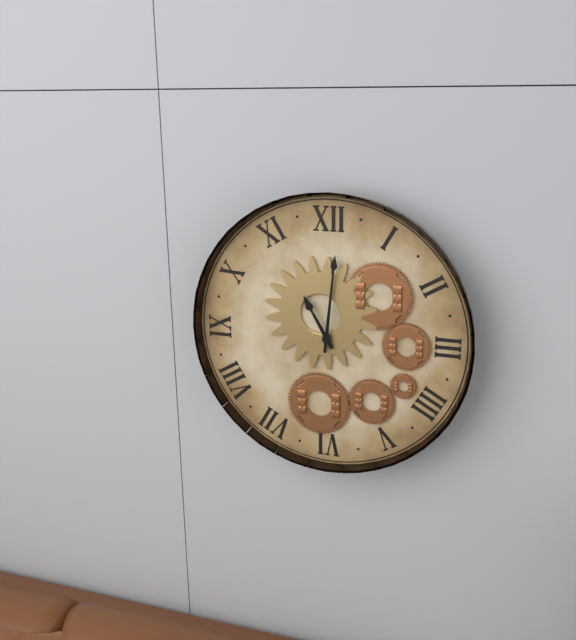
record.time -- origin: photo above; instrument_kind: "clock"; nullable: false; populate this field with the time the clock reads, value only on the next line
11:01
